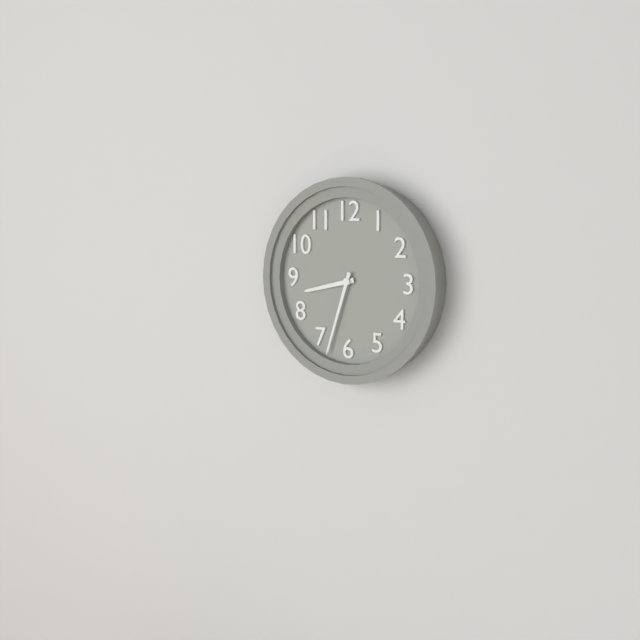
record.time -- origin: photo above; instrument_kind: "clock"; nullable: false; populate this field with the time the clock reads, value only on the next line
8:33
